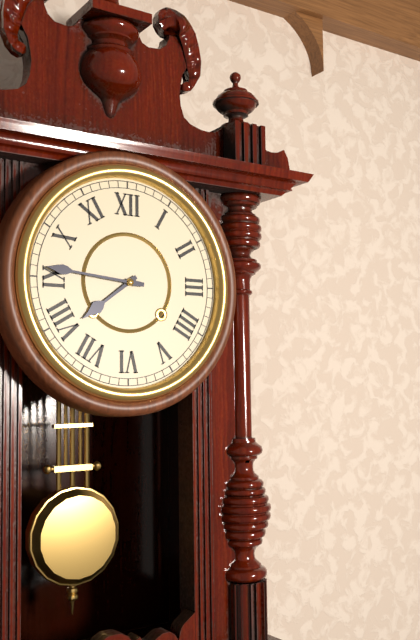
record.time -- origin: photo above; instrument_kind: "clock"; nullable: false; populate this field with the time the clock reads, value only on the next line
7:46
